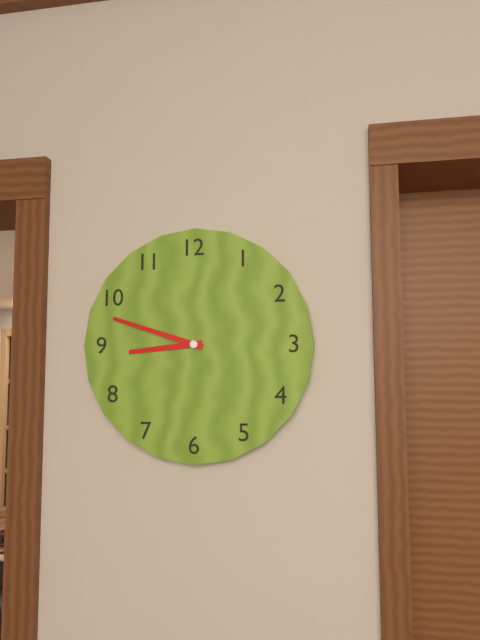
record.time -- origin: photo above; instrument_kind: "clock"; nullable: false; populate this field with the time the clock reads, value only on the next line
8:48
